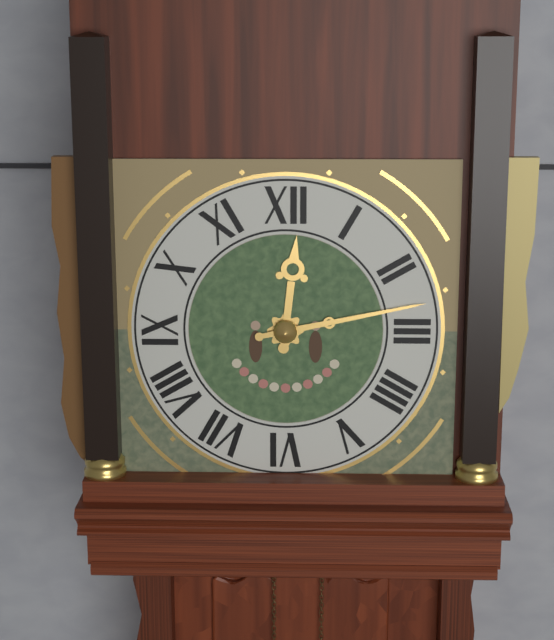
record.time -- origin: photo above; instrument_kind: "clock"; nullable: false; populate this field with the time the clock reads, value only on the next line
12:13
